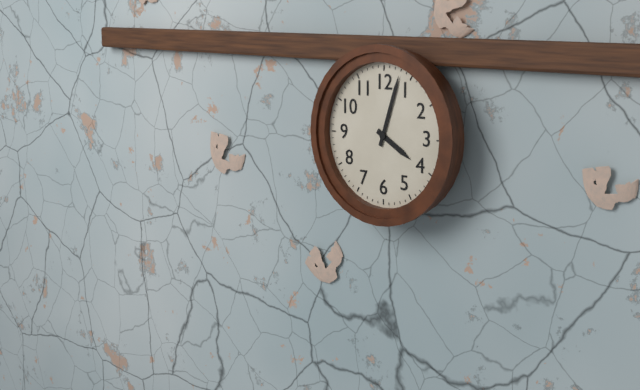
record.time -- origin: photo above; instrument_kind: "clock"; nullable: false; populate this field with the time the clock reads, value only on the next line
4:03
